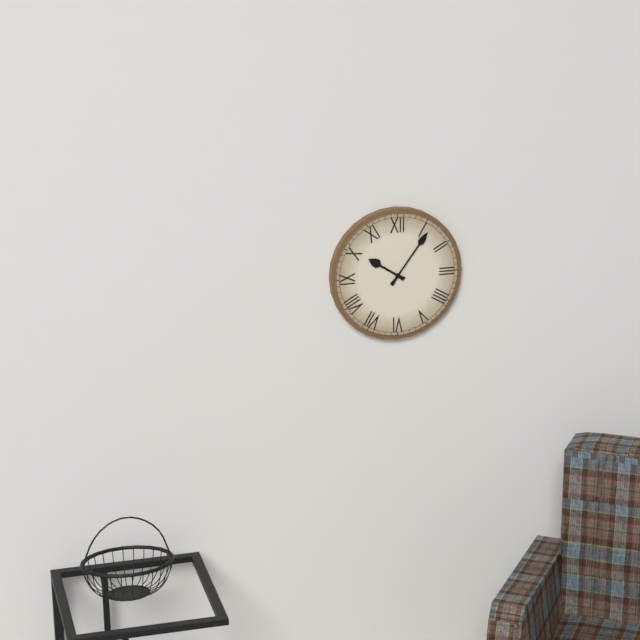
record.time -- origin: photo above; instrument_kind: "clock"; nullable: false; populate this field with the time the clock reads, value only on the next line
10:06
